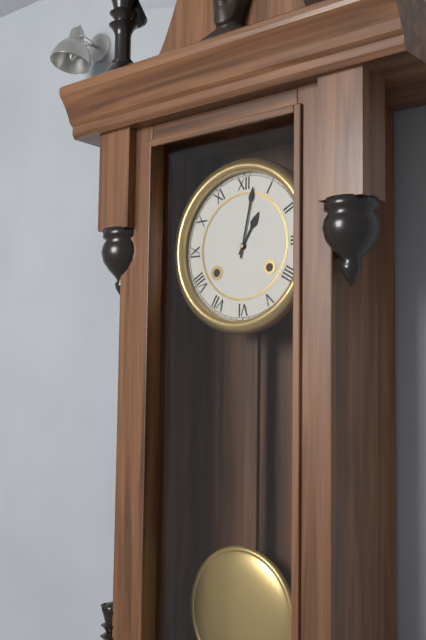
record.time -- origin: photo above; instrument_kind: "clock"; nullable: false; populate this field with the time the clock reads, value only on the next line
1:02
